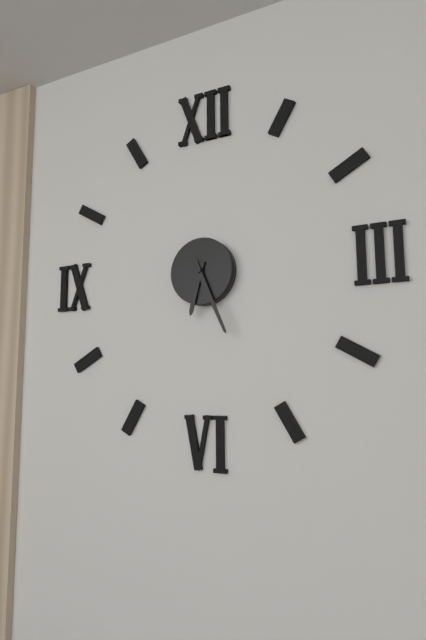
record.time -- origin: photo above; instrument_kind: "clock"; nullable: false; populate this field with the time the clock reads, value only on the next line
6:26
